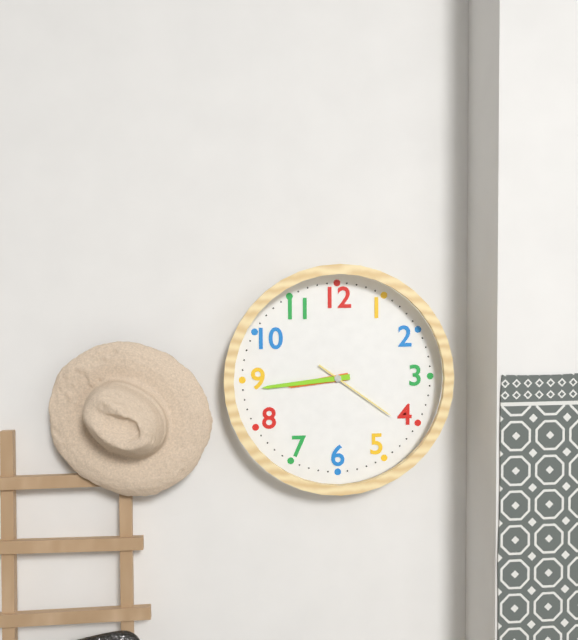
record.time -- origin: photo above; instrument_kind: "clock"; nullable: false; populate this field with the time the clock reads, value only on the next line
8:44:21
